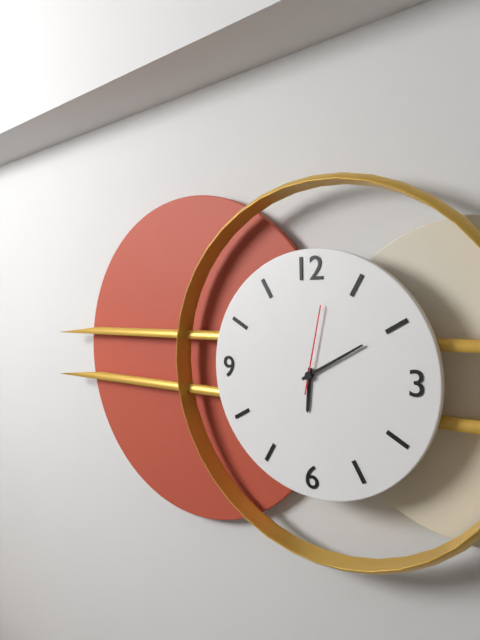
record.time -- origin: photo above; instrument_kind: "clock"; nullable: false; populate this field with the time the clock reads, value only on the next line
6:10:02
